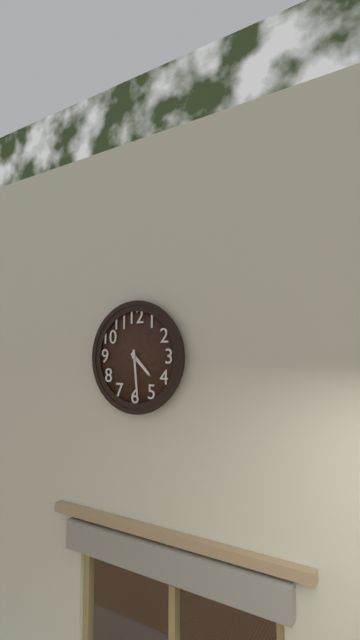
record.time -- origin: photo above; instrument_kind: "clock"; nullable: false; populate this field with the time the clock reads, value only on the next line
4:29
